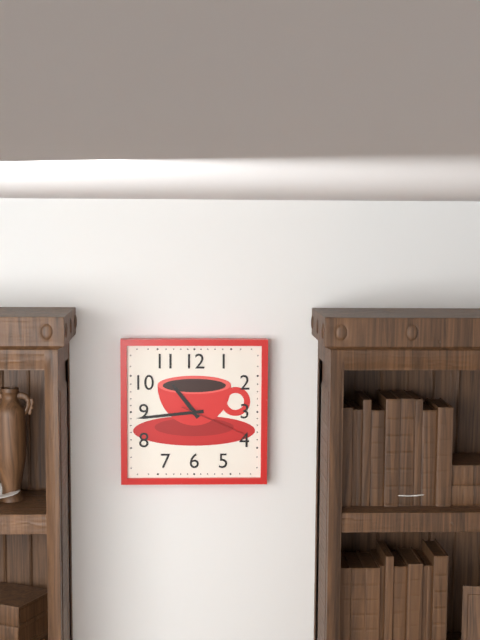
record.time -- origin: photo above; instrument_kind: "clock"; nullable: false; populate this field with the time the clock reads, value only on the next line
10:44:19
